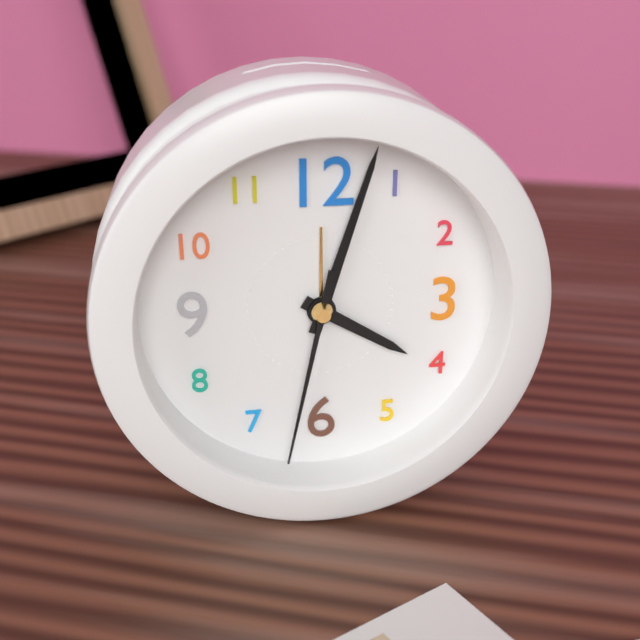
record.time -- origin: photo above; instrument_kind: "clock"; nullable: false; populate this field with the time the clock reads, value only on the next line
4:03:32
